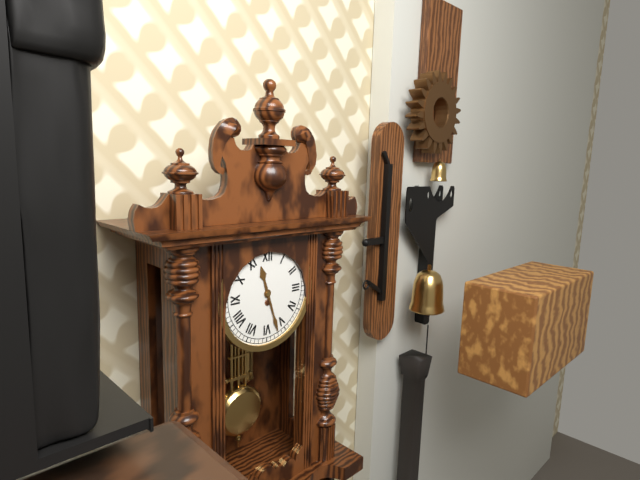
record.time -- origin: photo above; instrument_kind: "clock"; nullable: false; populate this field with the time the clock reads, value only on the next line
11:27
